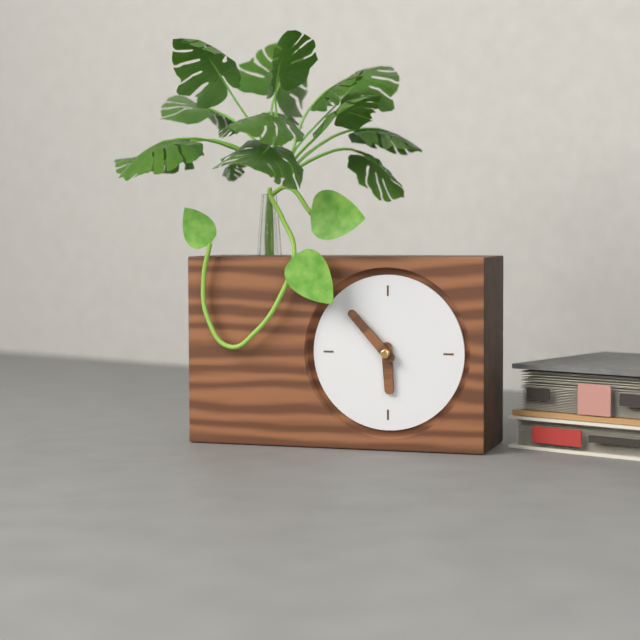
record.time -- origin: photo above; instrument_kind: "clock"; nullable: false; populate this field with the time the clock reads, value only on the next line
5:53
